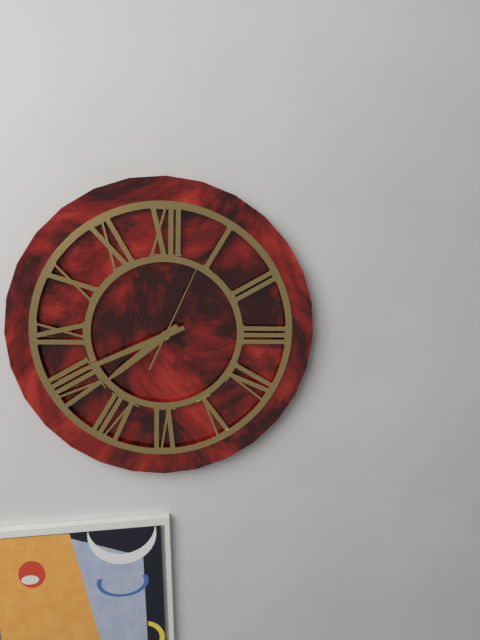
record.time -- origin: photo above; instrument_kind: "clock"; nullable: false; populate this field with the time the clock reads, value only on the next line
7:41:04
